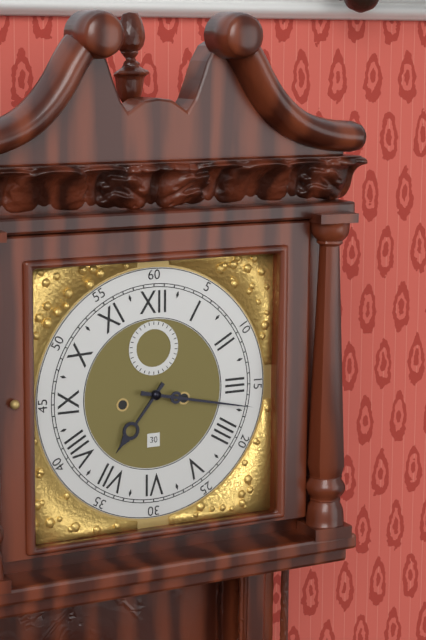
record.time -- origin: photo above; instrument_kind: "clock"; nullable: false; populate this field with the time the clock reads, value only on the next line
7:17
